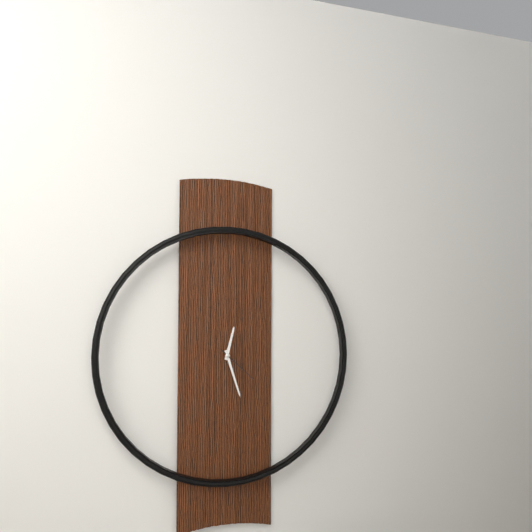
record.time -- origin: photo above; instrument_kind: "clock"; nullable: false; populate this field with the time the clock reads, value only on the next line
12:27
